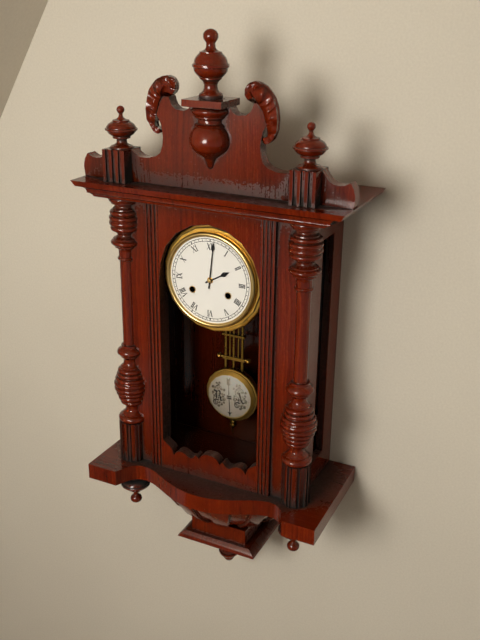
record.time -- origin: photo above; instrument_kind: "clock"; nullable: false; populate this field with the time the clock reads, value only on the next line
2:01
